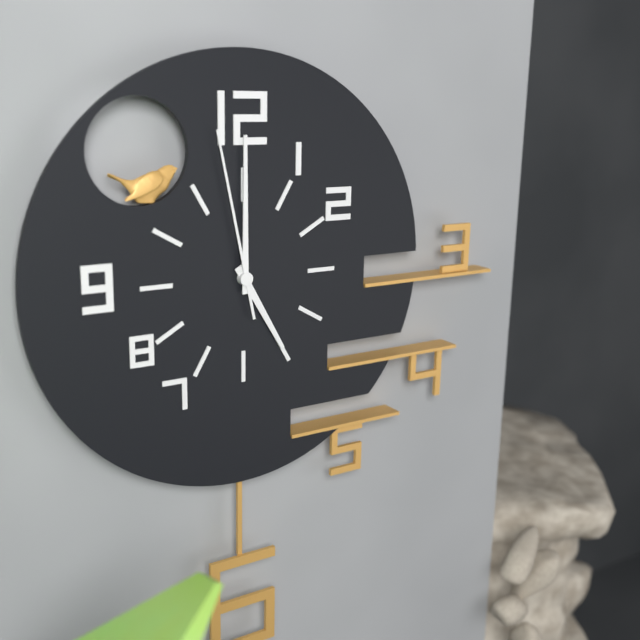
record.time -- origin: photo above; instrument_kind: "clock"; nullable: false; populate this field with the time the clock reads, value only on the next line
5:00:58
